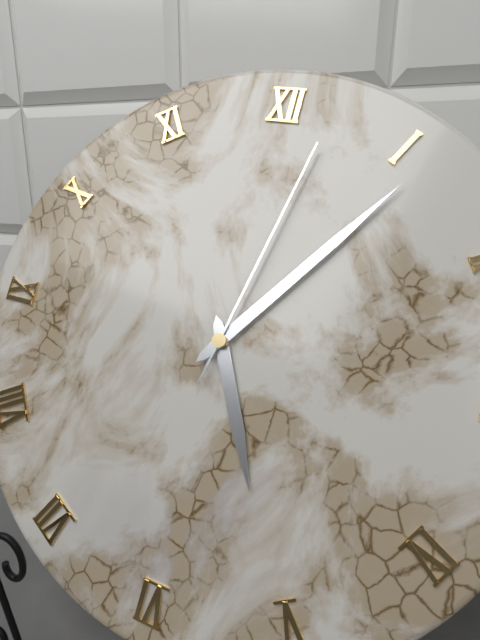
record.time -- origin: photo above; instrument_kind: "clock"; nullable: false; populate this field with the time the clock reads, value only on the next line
5:06:02
